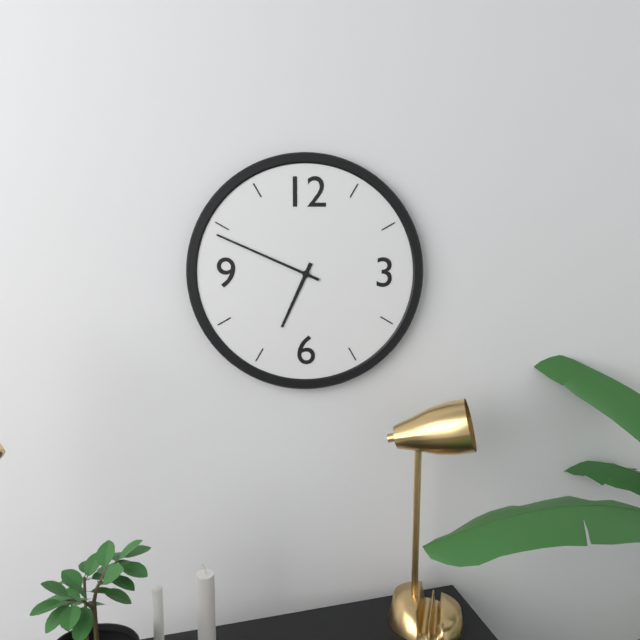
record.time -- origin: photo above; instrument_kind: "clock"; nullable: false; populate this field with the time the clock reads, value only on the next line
6:49
